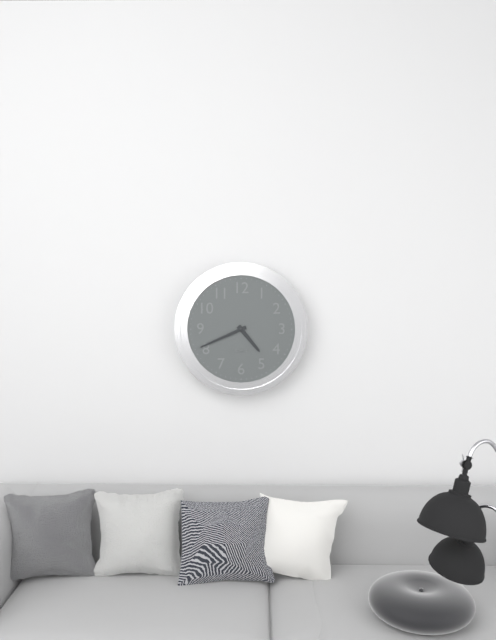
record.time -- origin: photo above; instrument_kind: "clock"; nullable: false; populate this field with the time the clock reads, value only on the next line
4:41
